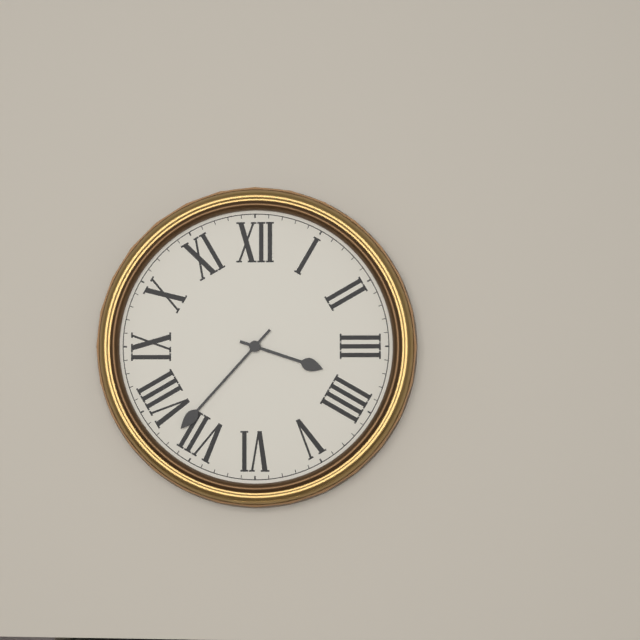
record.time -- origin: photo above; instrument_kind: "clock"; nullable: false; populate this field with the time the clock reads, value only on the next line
3:37
